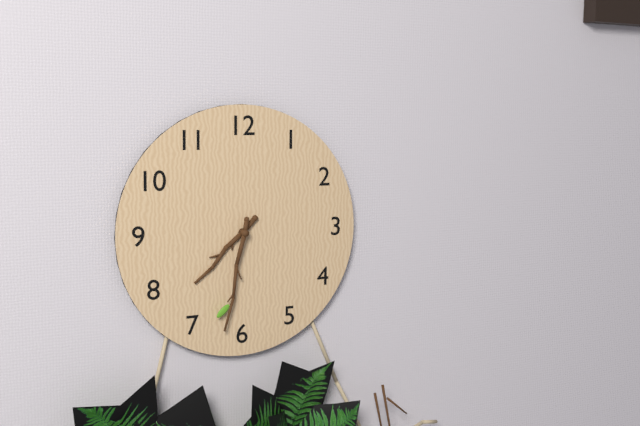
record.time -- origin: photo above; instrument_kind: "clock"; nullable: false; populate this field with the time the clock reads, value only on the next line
7:32
